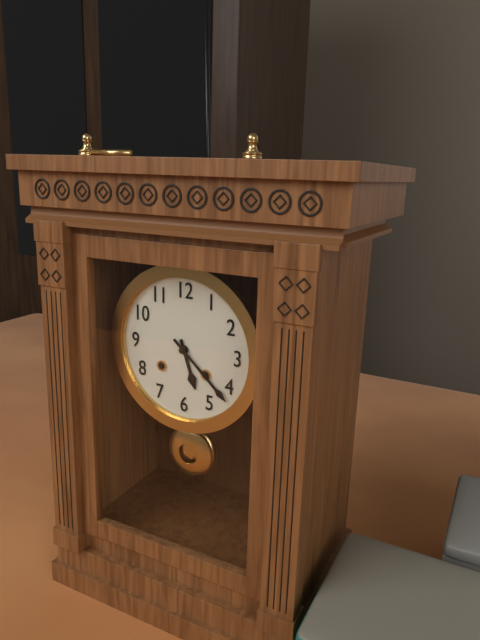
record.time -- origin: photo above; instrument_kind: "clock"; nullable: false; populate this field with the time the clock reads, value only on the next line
5:22
